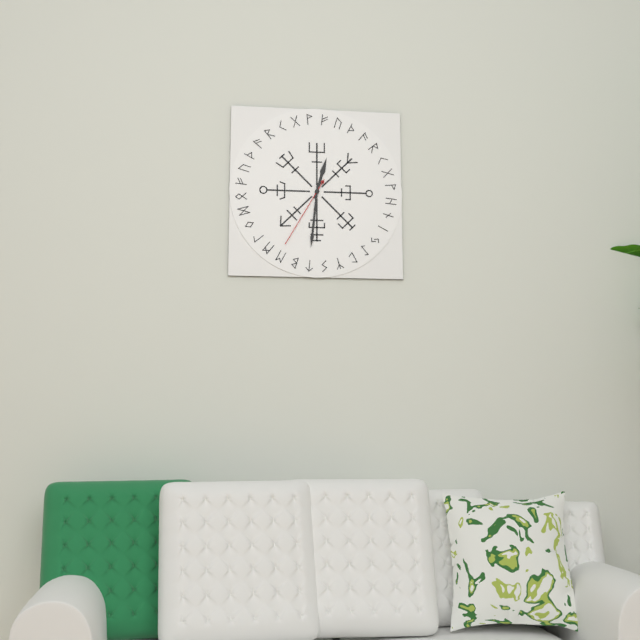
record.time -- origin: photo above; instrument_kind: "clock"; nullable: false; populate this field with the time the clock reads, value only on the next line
12:31:35
